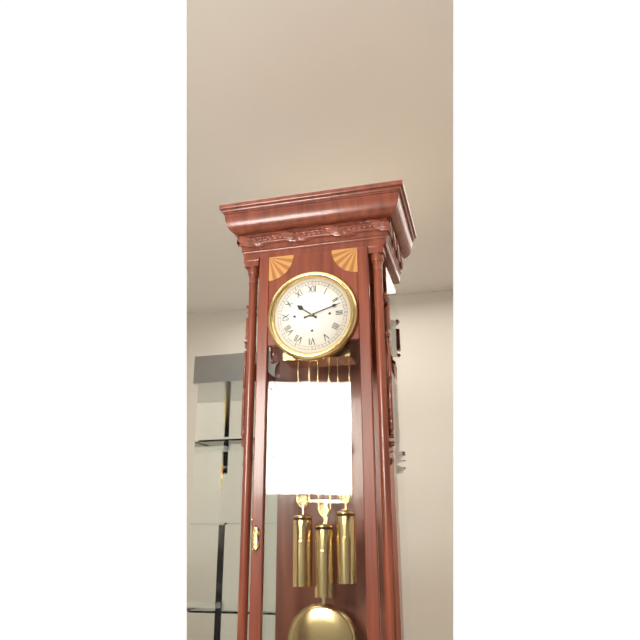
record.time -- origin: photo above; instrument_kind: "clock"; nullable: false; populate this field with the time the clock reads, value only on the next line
10:12
